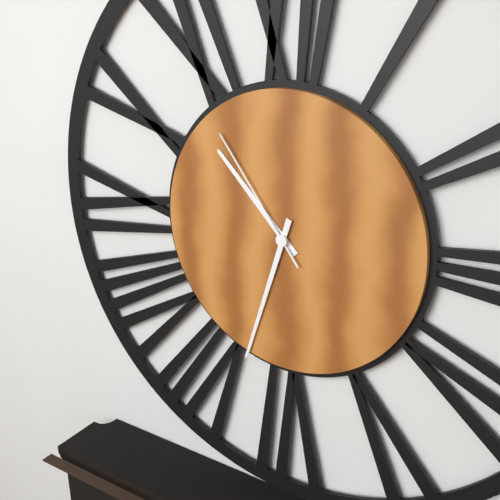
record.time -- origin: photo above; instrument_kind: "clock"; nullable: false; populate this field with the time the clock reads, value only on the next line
10:33:54
